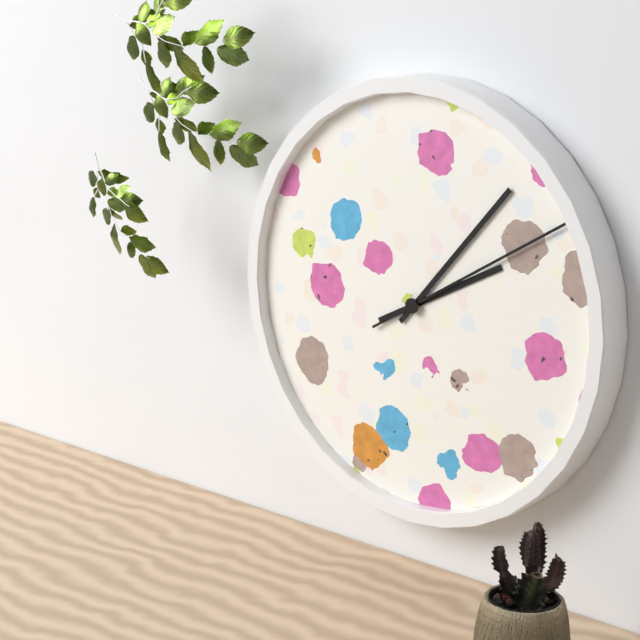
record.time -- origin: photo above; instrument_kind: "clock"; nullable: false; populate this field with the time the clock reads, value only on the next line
2:07:10
